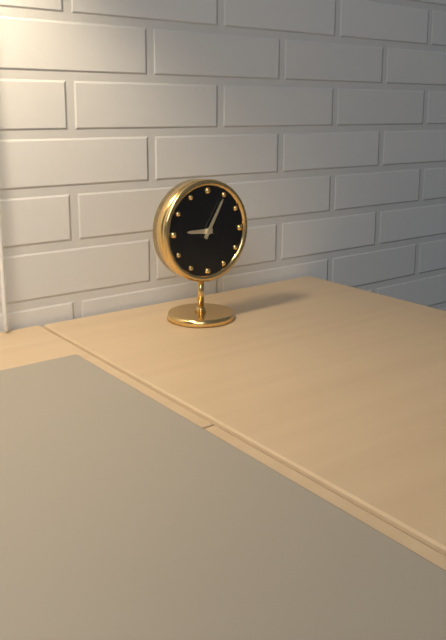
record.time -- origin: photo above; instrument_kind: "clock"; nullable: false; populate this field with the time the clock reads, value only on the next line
9:05
